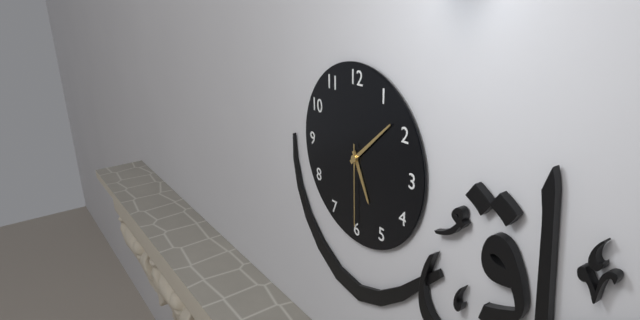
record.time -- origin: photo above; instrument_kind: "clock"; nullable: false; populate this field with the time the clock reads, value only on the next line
5:08:30
